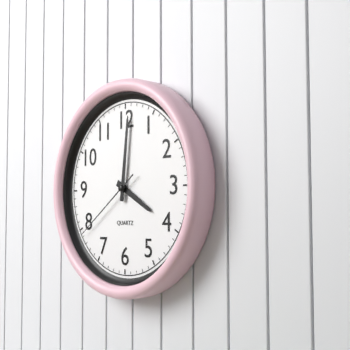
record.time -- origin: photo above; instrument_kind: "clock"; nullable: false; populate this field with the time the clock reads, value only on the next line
4:01:39
